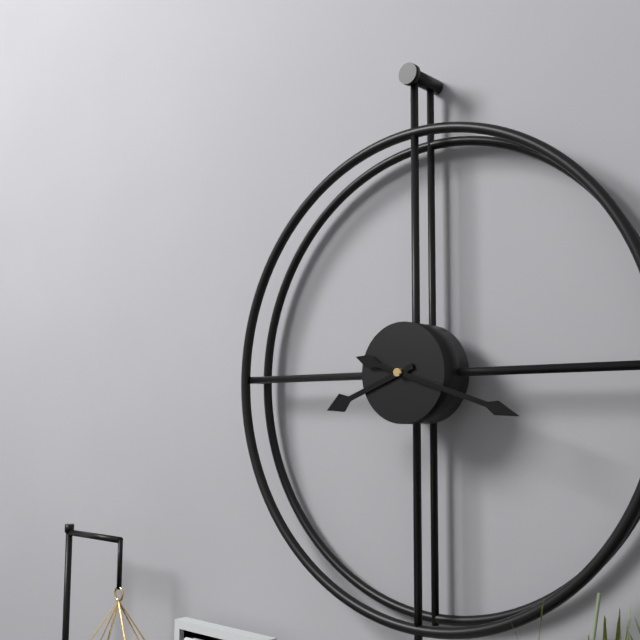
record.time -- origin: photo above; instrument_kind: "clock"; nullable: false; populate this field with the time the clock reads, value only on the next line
8:18
